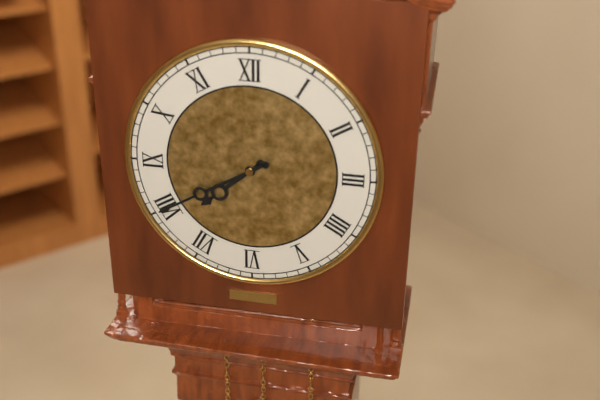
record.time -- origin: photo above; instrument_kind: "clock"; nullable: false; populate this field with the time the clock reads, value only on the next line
7:40
